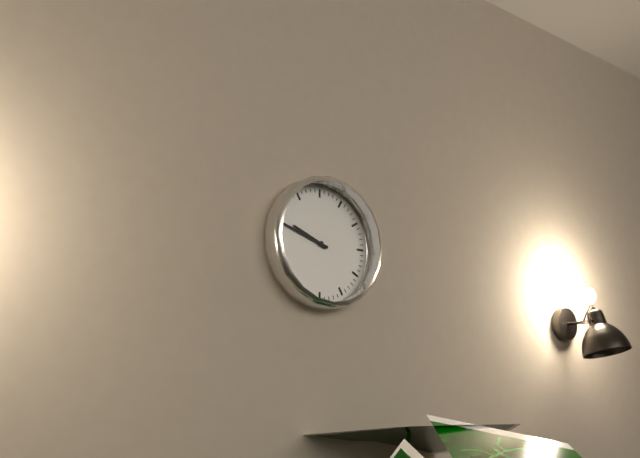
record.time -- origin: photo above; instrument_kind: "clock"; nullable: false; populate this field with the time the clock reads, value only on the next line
9:48
